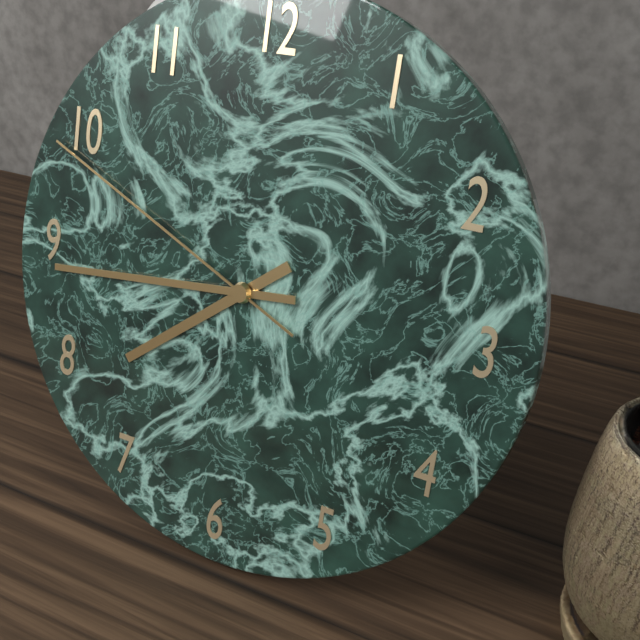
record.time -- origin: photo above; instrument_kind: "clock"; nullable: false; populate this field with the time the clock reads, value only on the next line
7:44:49
